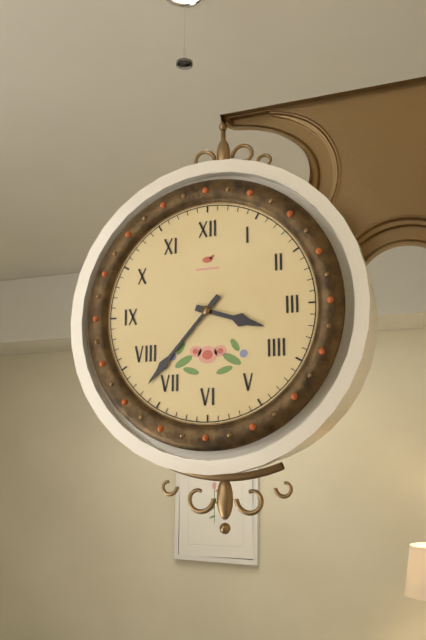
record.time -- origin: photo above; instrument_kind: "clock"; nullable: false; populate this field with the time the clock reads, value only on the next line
3:37
